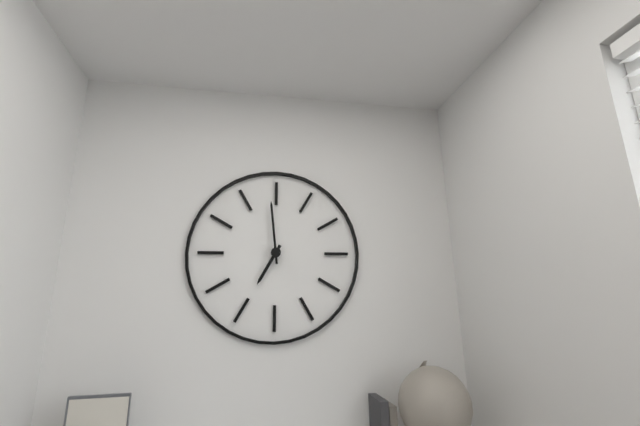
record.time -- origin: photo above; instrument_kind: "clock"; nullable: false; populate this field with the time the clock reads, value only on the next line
6:59
